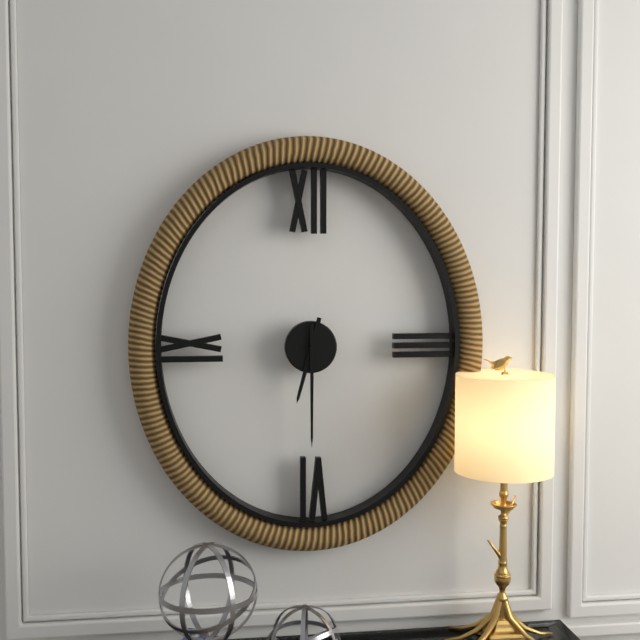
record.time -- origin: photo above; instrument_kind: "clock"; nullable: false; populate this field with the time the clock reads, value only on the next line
6:30
